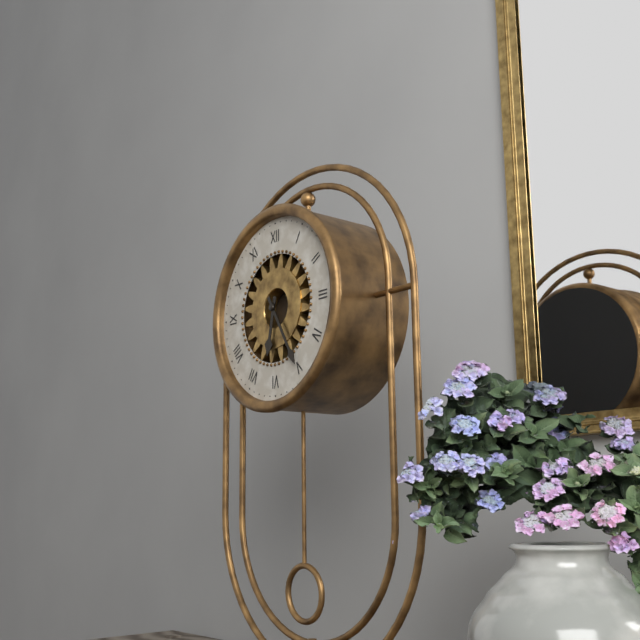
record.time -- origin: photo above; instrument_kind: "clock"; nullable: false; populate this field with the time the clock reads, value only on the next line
6:25
